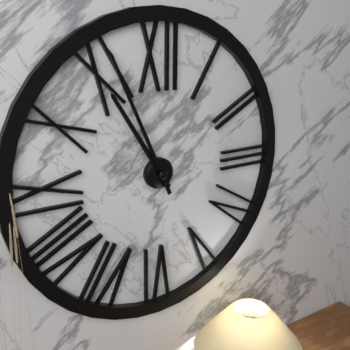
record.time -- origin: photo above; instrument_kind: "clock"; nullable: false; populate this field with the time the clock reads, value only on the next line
10:56
